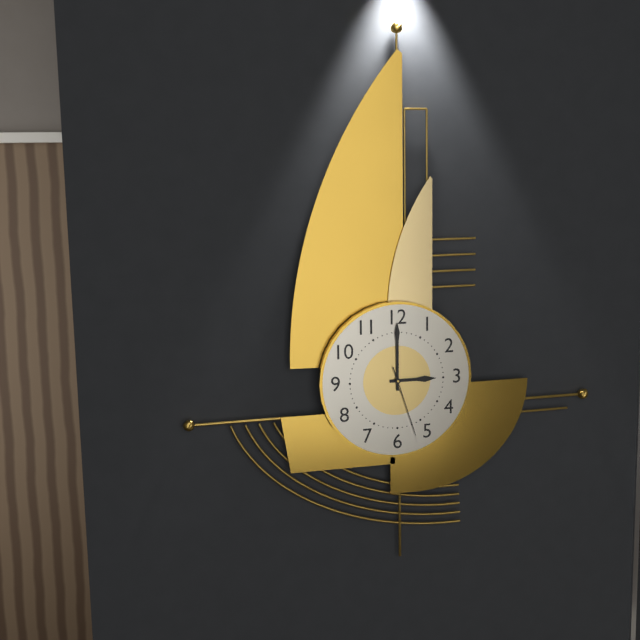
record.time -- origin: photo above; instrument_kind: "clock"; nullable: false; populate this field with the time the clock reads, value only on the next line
3:00:27
